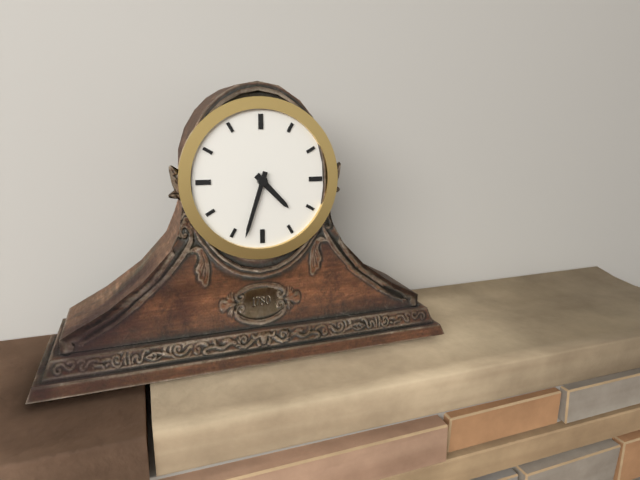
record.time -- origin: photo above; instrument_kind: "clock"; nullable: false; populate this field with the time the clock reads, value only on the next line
4:33
